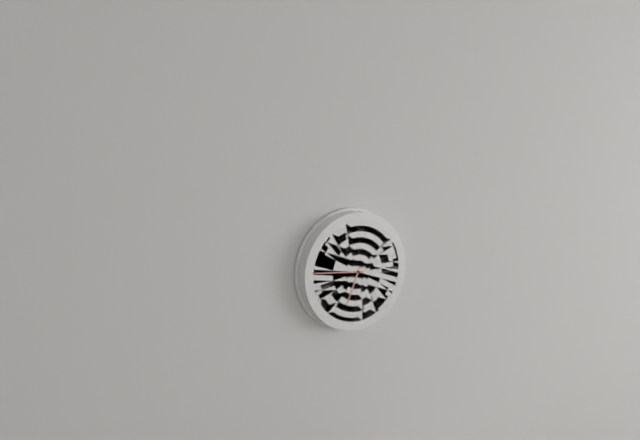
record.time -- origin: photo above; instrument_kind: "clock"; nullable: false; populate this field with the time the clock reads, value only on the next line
6:46
